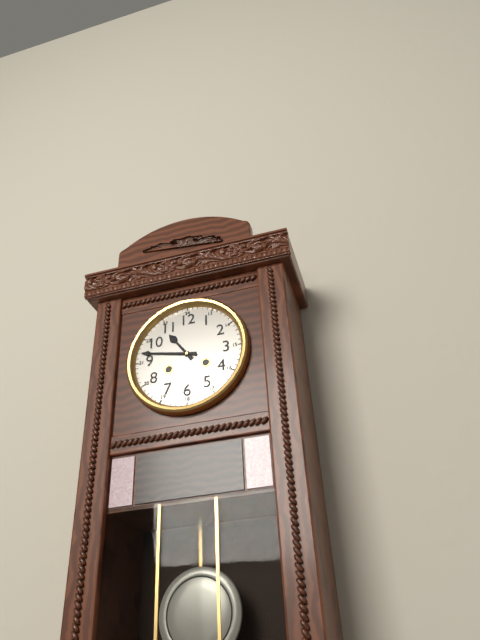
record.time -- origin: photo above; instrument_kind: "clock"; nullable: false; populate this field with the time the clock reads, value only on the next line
10:47
